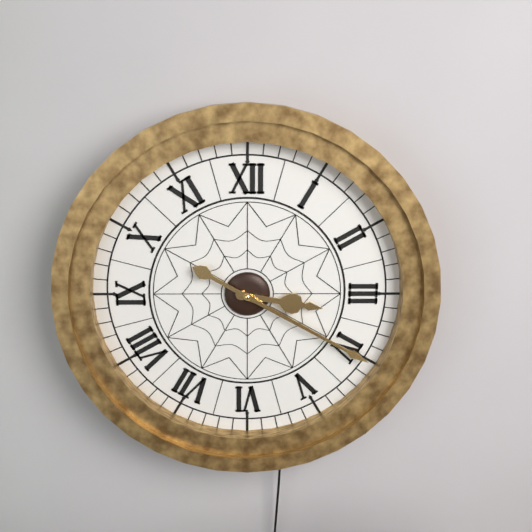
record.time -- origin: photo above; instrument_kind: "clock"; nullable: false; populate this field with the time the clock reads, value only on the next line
3:20
